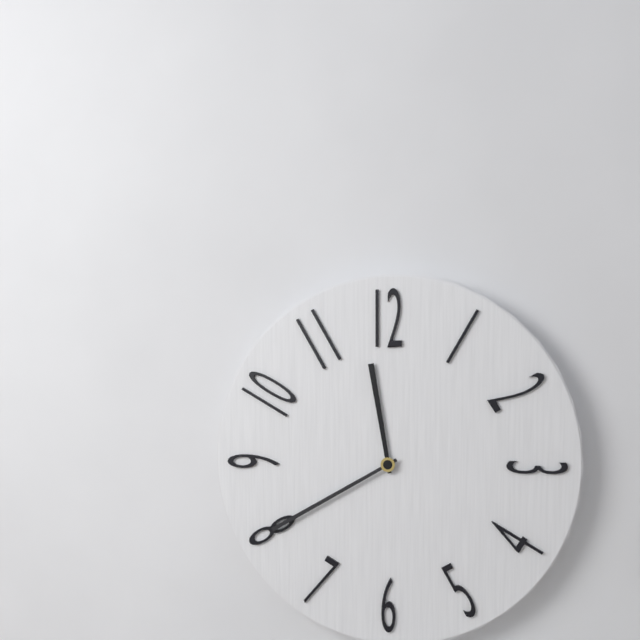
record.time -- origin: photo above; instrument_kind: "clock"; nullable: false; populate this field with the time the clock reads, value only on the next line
11:40
